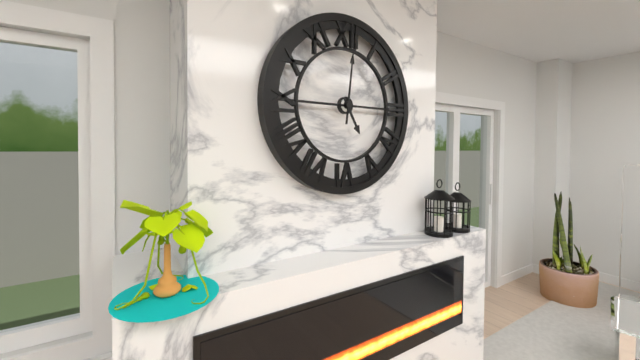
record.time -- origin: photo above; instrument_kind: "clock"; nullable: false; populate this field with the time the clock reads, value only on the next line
5:01
